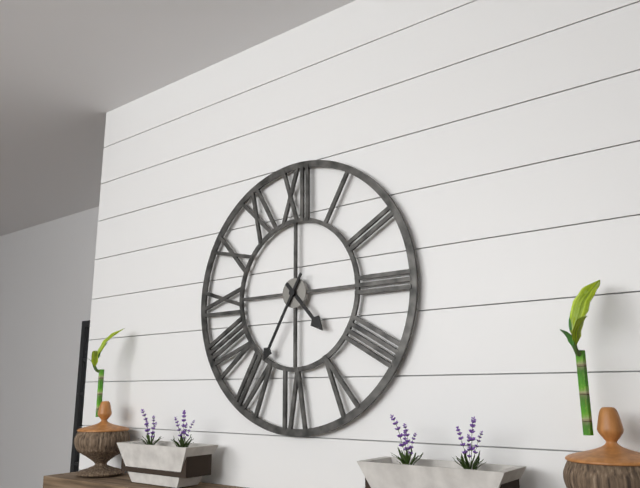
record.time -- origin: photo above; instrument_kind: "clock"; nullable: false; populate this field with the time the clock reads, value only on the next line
4:35
